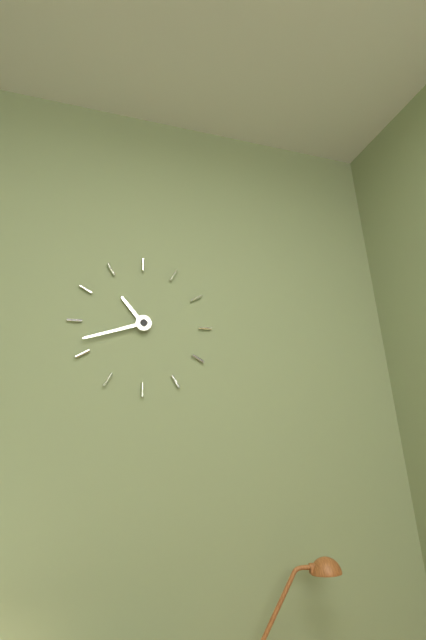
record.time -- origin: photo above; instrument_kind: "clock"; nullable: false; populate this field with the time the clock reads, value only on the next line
10:42
